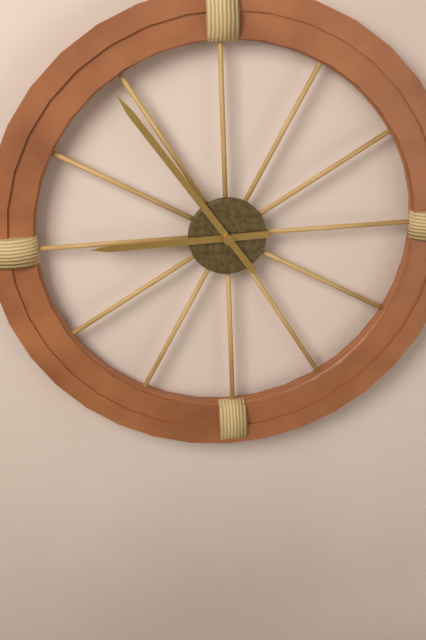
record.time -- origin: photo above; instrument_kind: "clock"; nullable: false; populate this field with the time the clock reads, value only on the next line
8:54
